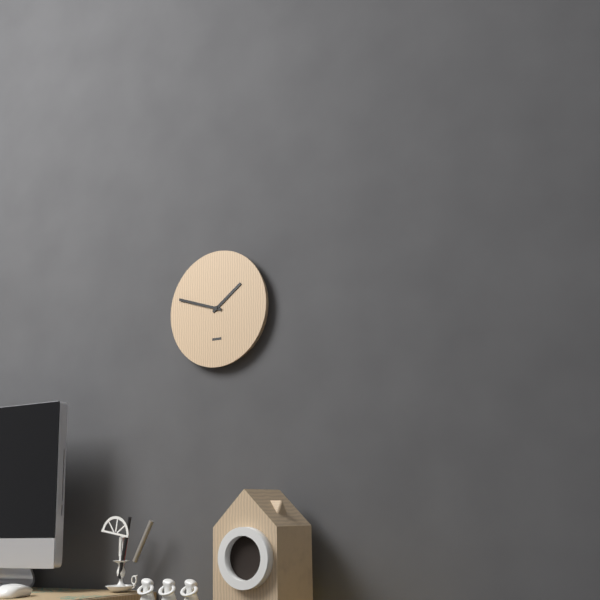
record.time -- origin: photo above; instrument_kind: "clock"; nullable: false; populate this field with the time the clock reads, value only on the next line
1:48
